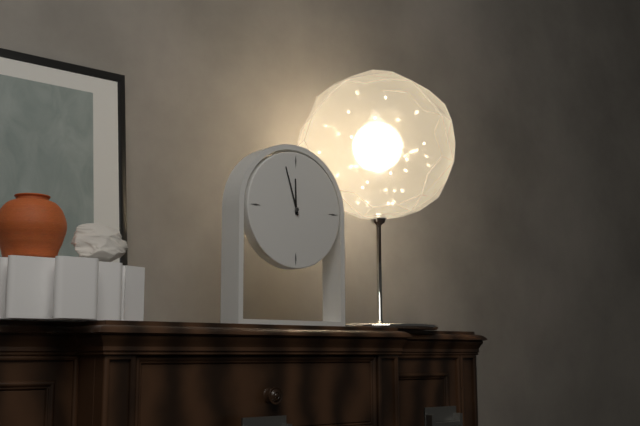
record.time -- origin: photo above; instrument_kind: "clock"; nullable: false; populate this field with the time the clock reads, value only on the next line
11:57
